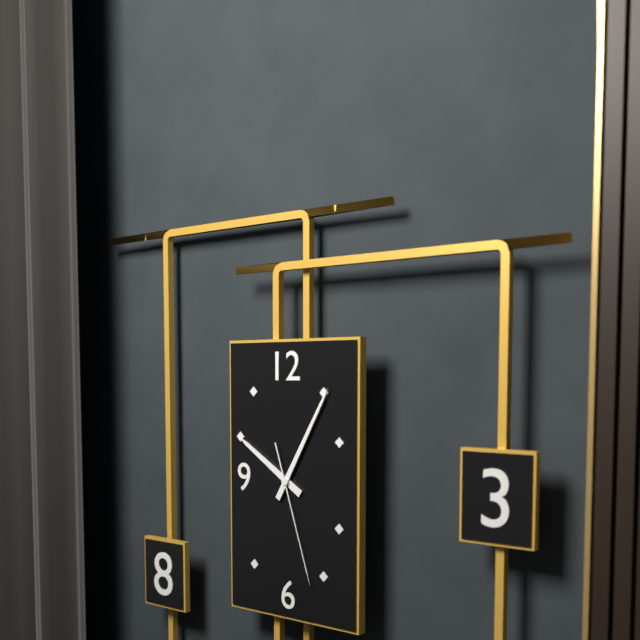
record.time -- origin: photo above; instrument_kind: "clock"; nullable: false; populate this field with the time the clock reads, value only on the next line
10:05:27
